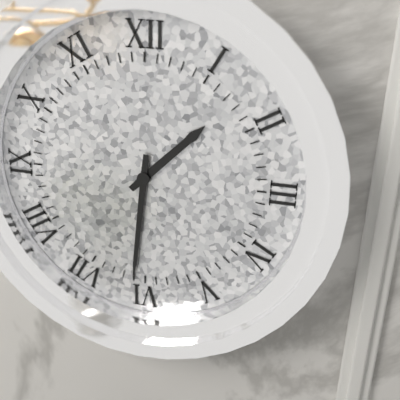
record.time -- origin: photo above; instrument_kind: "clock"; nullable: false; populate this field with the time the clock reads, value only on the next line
1:31
